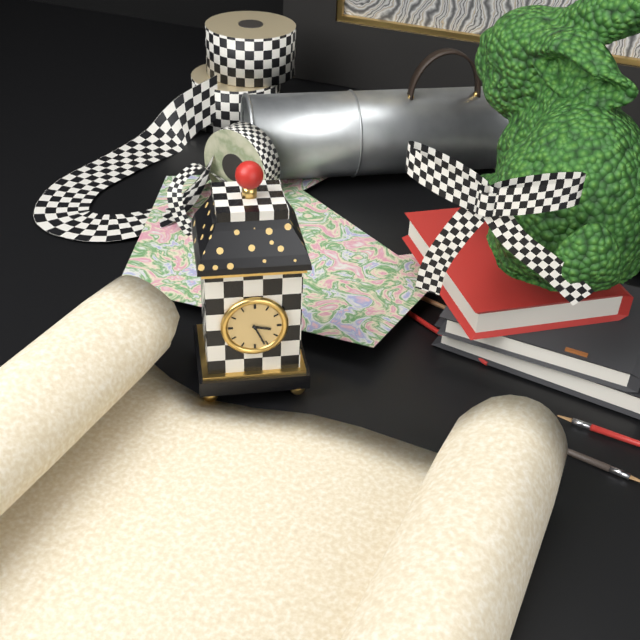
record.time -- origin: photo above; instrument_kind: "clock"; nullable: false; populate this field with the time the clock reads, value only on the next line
3:26
